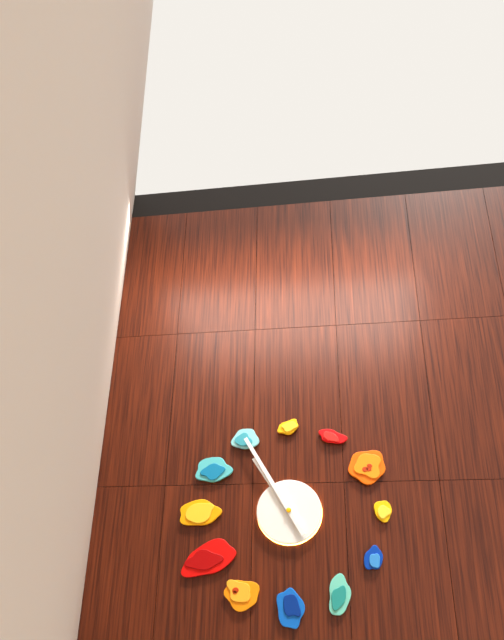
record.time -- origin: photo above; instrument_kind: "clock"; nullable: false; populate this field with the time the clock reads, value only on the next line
10:55
